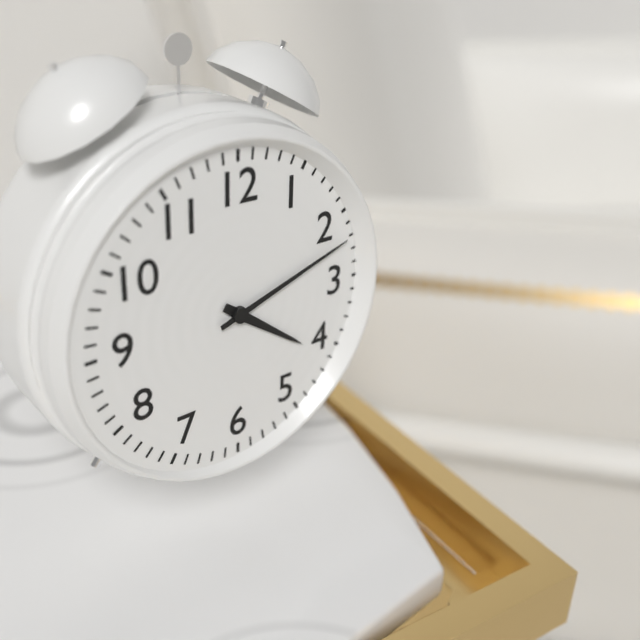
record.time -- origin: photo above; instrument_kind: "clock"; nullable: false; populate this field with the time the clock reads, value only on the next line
4:12
